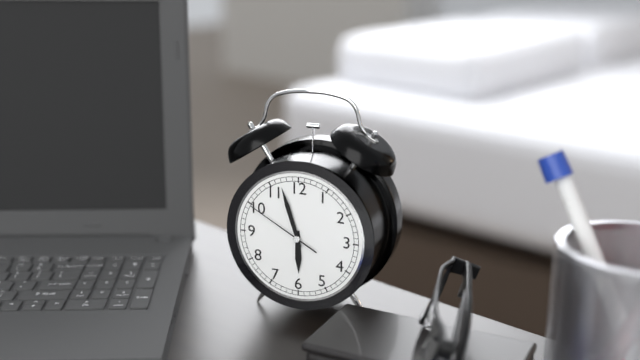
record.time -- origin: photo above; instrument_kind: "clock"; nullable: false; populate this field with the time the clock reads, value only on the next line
5:57:50
